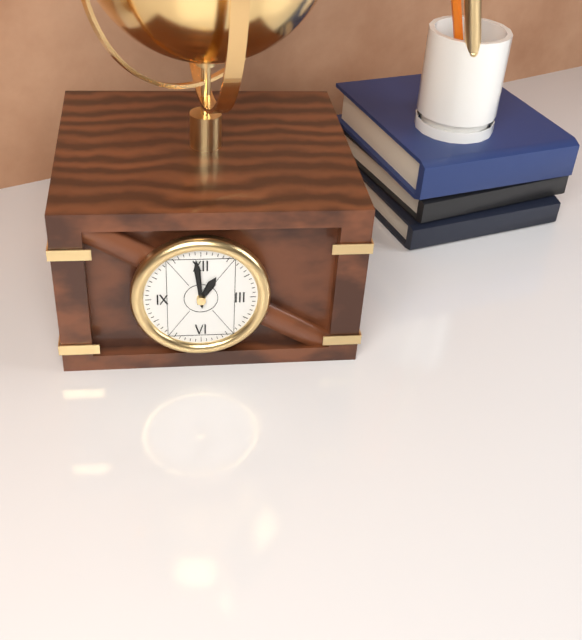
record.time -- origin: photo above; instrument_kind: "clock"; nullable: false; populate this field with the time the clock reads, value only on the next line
12:59
